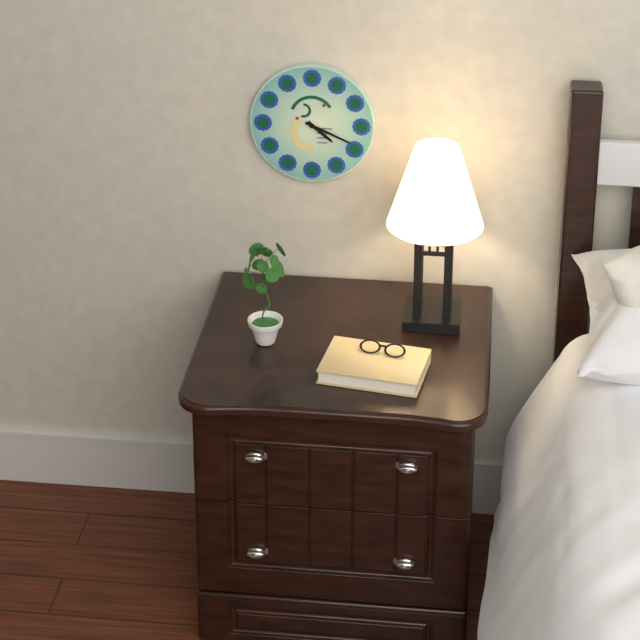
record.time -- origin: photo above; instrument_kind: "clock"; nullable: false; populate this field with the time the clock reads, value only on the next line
4:19
